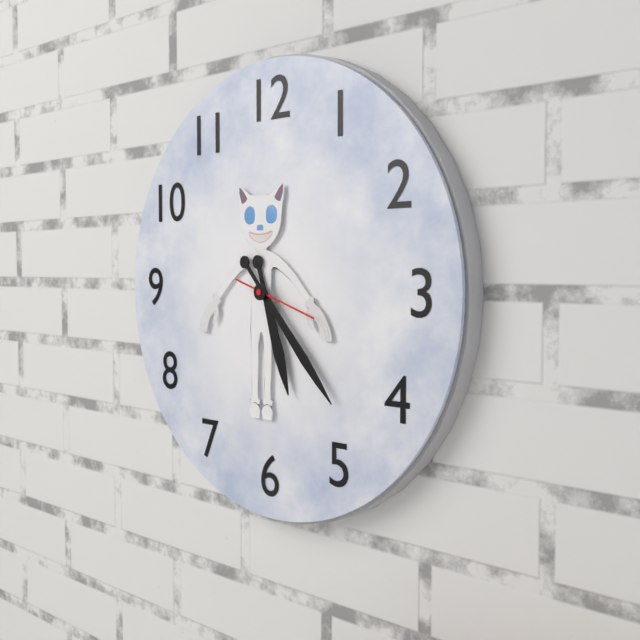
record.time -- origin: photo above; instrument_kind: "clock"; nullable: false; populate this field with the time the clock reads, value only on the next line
5:23:18
